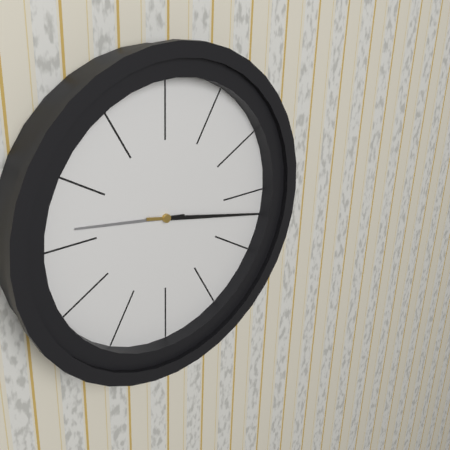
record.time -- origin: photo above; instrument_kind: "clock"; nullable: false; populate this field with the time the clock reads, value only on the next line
9:17
